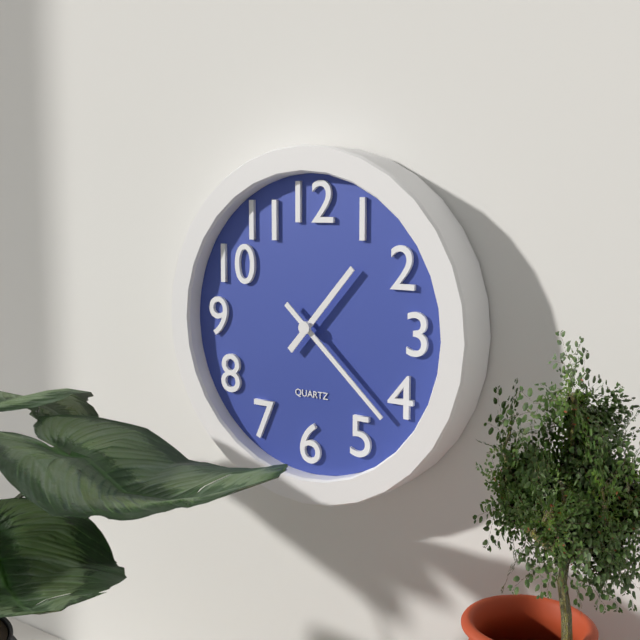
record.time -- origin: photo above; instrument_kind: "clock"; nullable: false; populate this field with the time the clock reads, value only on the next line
1:22
